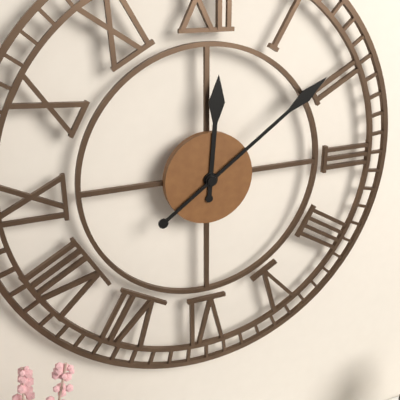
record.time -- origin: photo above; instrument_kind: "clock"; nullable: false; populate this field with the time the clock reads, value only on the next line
12:09
